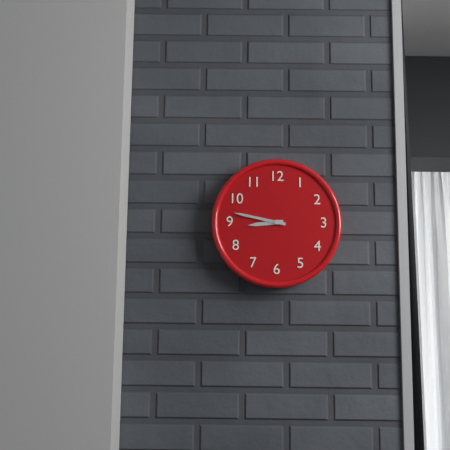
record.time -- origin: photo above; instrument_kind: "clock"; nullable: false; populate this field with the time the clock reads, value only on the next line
8:47
